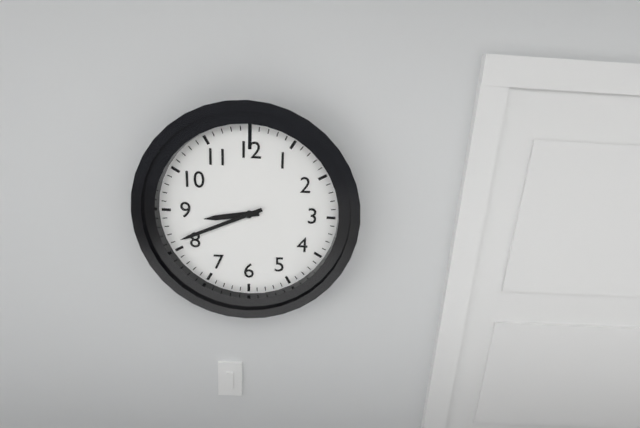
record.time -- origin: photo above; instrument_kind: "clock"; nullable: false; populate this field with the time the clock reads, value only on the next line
8:41
